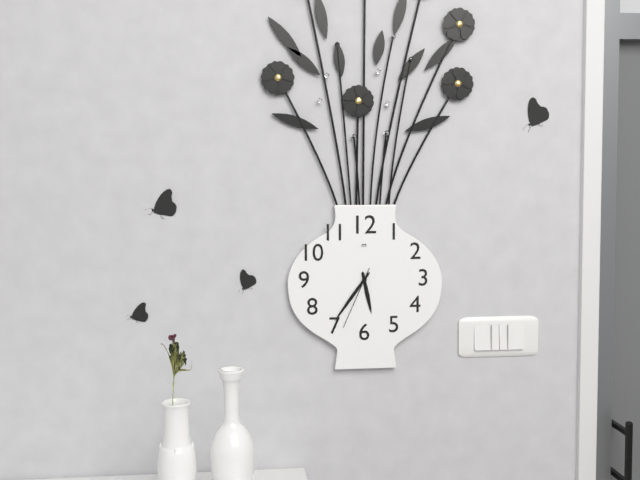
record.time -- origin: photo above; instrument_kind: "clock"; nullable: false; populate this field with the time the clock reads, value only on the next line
5:36:34
